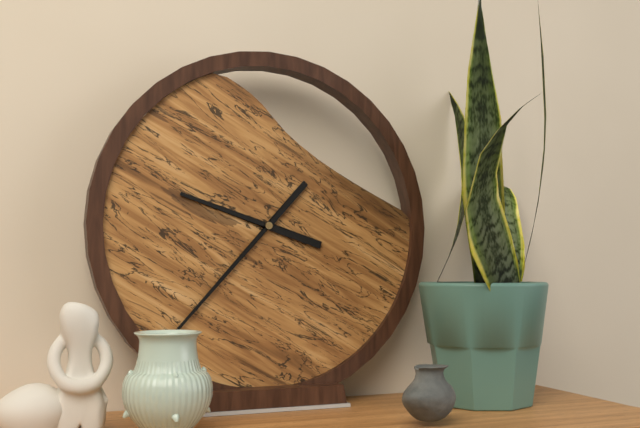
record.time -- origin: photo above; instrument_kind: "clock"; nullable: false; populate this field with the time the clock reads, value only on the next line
9:37
